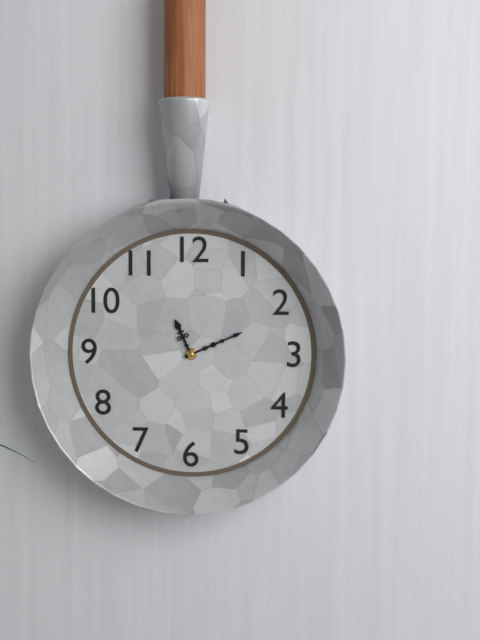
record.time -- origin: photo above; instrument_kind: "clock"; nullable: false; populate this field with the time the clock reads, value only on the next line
11:11
